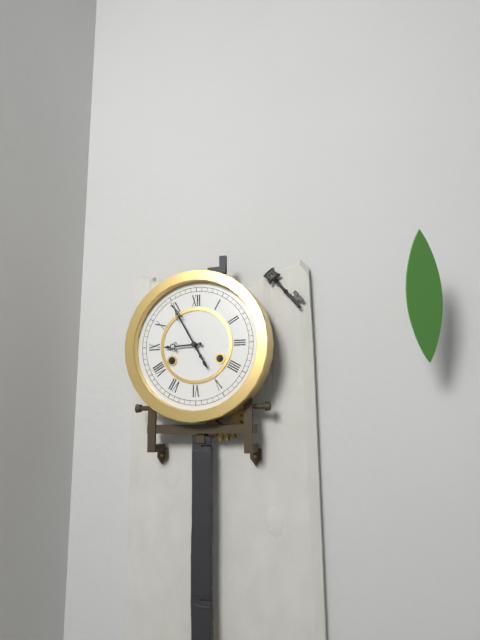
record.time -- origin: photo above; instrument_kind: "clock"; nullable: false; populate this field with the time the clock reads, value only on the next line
8:55
